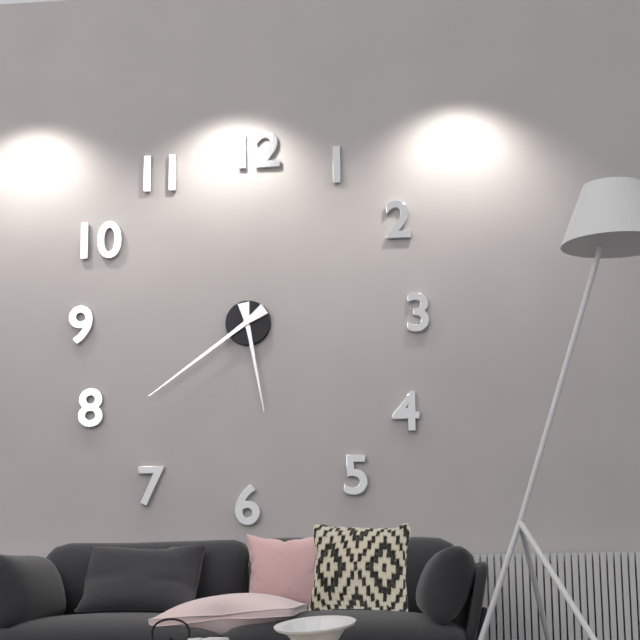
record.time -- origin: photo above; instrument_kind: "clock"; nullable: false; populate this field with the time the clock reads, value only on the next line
5:39
